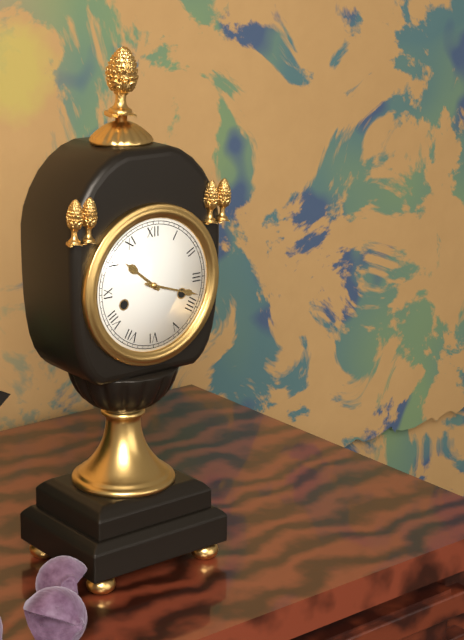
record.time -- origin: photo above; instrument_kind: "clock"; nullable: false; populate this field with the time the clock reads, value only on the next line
10:18
